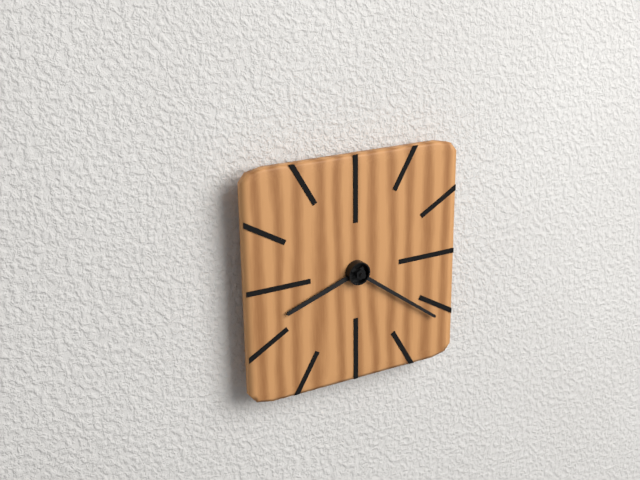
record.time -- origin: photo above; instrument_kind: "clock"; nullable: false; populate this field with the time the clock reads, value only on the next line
8:21
